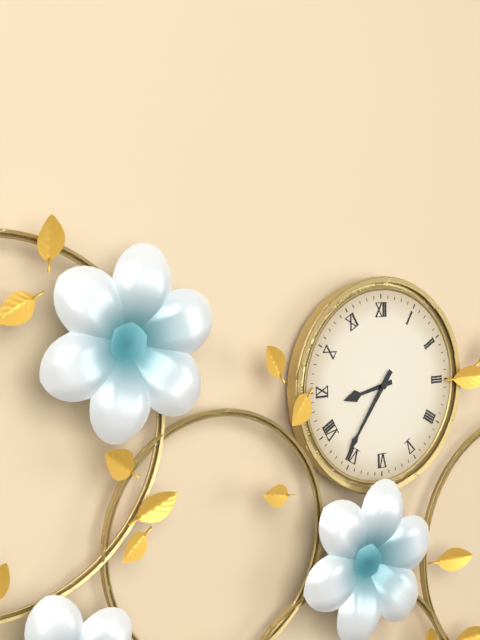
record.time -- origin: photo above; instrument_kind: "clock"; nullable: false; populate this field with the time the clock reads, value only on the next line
8:36
